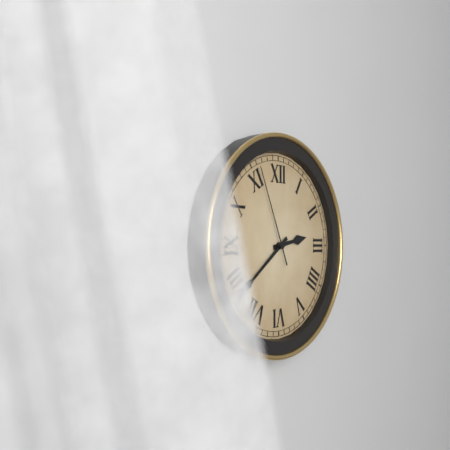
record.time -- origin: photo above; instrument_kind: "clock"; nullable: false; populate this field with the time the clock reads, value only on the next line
2:39:56
